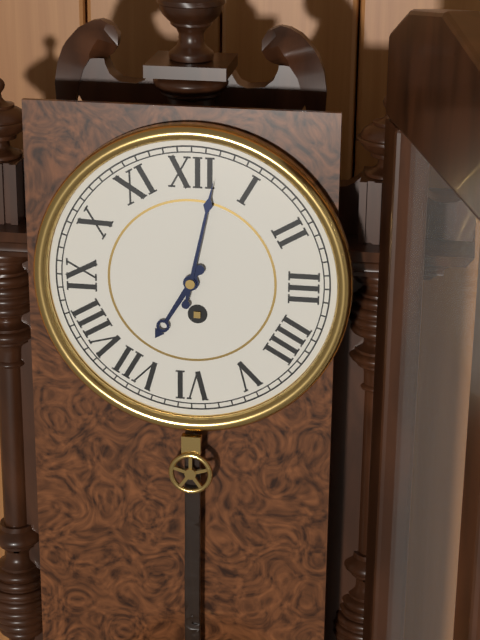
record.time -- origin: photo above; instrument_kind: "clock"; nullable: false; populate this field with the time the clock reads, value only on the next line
7:02
